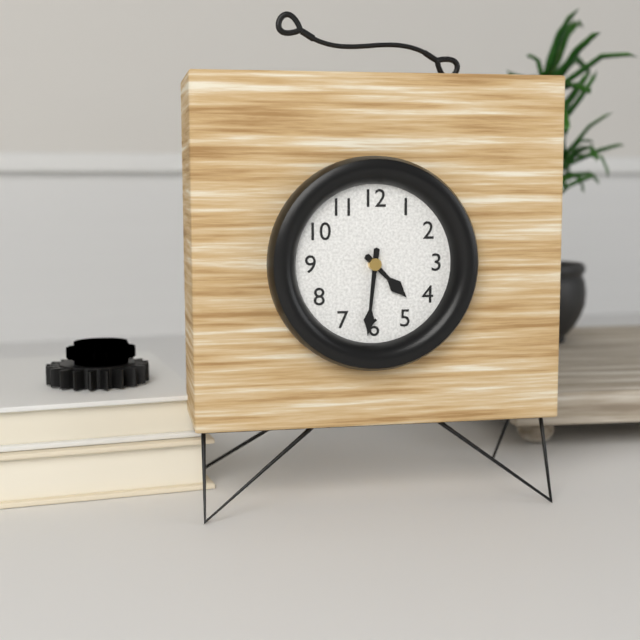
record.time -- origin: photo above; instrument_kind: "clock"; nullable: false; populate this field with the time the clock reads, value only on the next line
4:31
